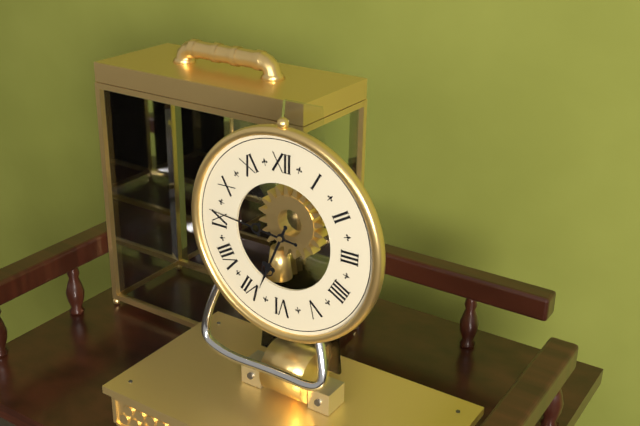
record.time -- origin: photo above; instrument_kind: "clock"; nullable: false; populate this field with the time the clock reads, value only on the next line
6:46
